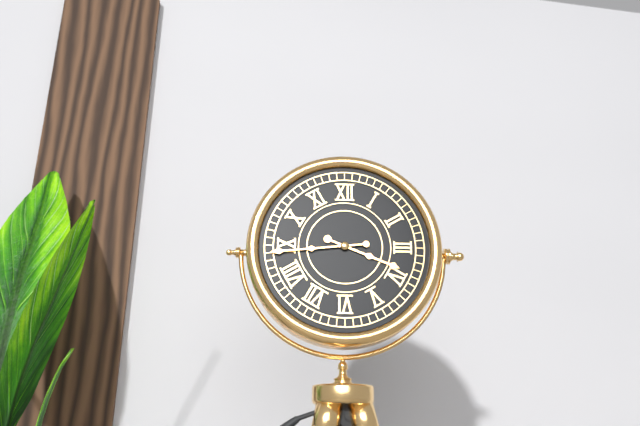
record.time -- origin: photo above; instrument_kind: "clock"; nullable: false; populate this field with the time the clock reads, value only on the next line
3:44
